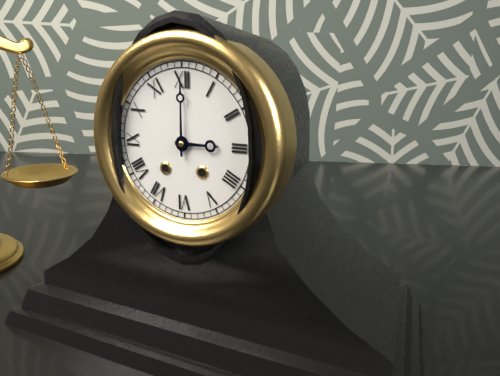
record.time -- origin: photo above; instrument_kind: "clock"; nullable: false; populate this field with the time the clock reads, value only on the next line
3:00
